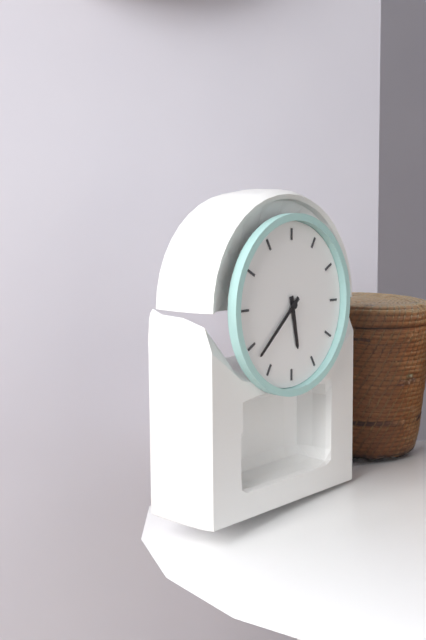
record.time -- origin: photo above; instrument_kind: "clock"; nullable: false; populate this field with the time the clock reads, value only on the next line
5:38
